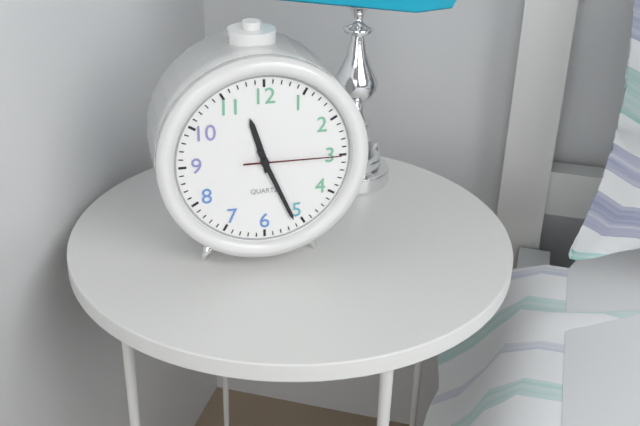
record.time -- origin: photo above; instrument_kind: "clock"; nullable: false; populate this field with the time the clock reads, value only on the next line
11:26:15
